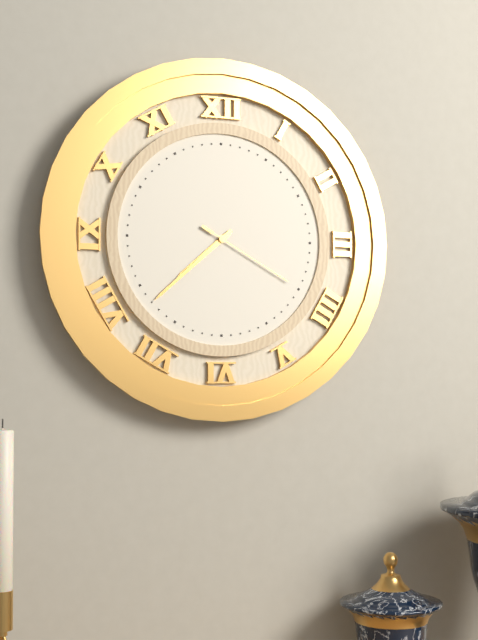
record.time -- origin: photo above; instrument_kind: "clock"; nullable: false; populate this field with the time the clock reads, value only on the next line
7:38:20
